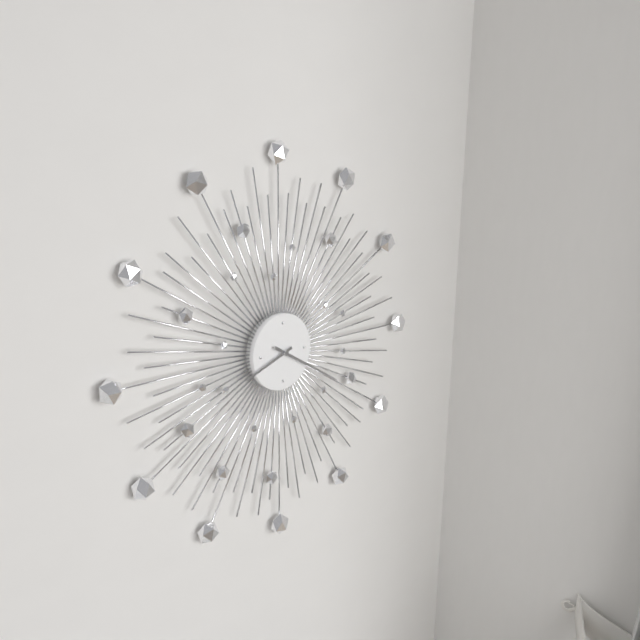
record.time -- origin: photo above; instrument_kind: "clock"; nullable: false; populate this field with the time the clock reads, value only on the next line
8:20
